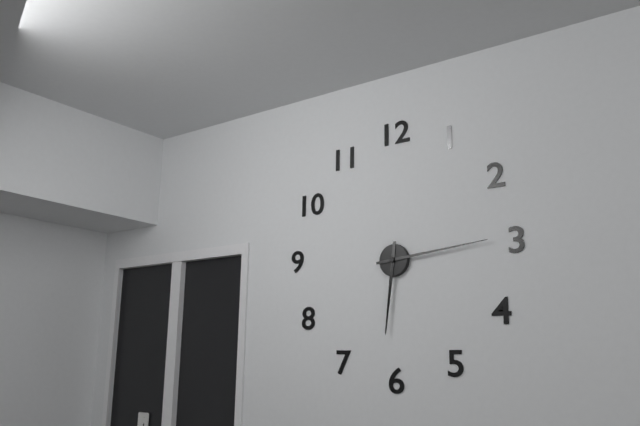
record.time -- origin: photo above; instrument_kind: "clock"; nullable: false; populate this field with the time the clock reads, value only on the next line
6:14
